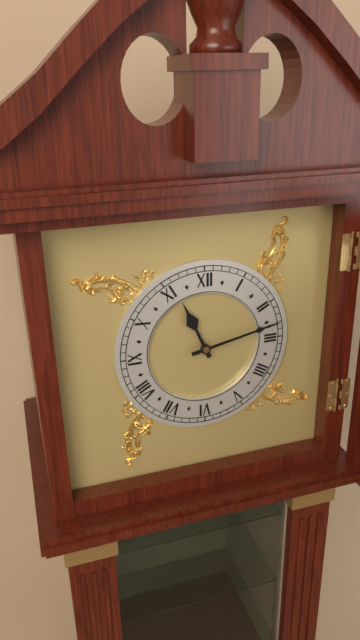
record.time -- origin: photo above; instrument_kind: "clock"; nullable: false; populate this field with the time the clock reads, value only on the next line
11:13
